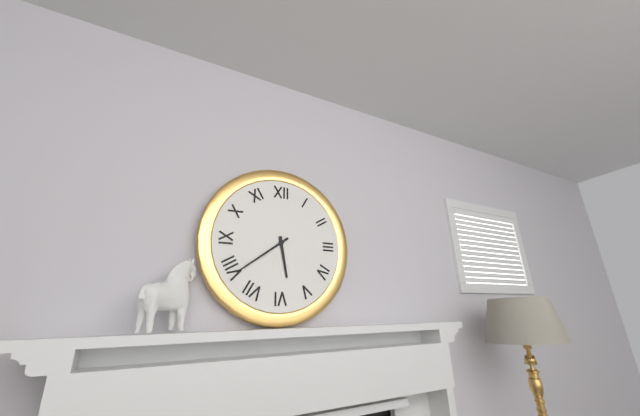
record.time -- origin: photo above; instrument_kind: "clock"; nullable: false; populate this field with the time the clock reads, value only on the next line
5:39
